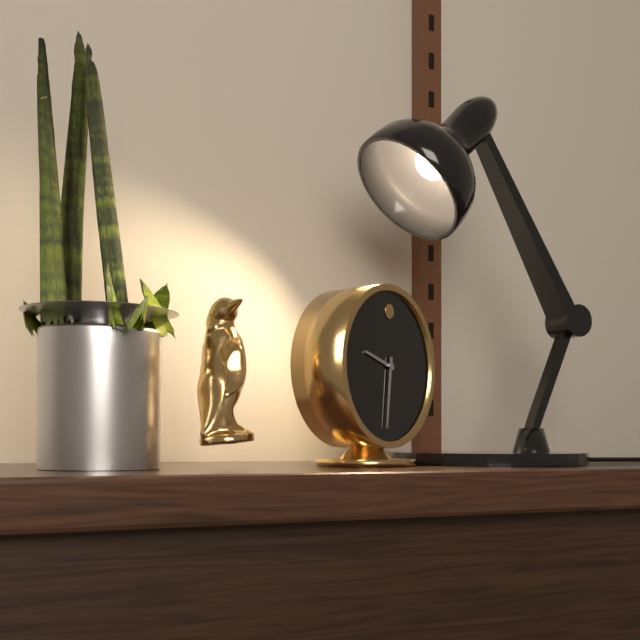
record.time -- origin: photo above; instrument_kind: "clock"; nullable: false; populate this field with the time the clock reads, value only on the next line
9:31
